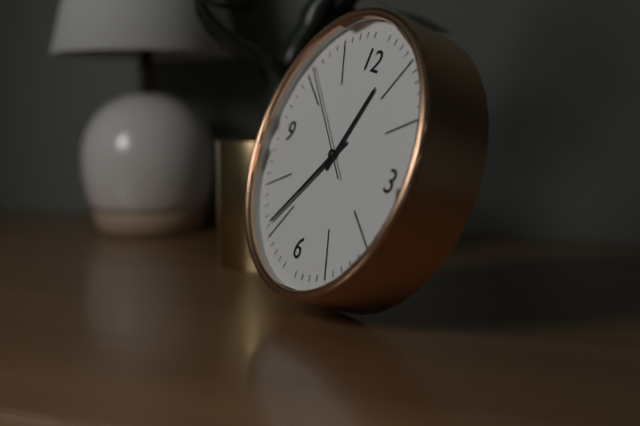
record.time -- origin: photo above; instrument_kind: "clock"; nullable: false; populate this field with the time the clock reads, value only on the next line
12:36:51
